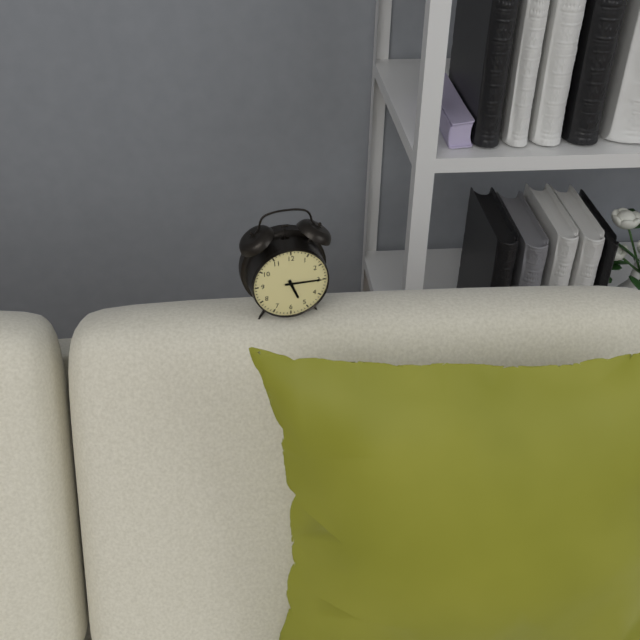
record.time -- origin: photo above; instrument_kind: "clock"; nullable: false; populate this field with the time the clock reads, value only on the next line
5:15
